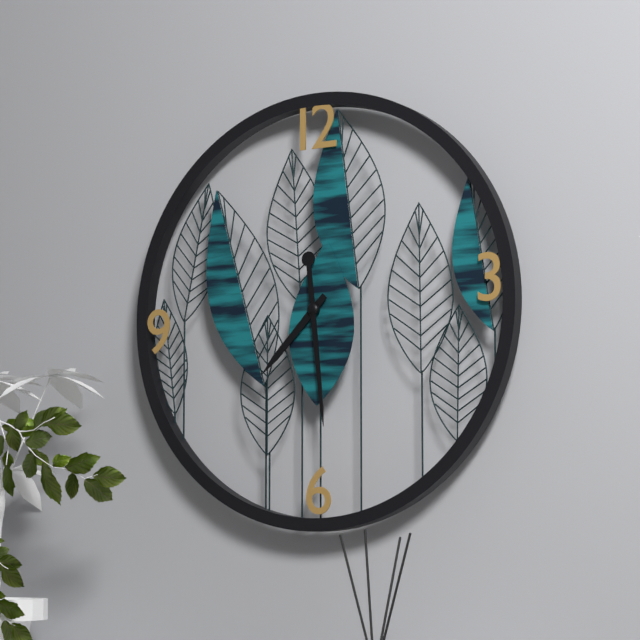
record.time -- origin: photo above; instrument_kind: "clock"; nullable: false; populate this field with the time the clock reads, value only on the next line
7:29
